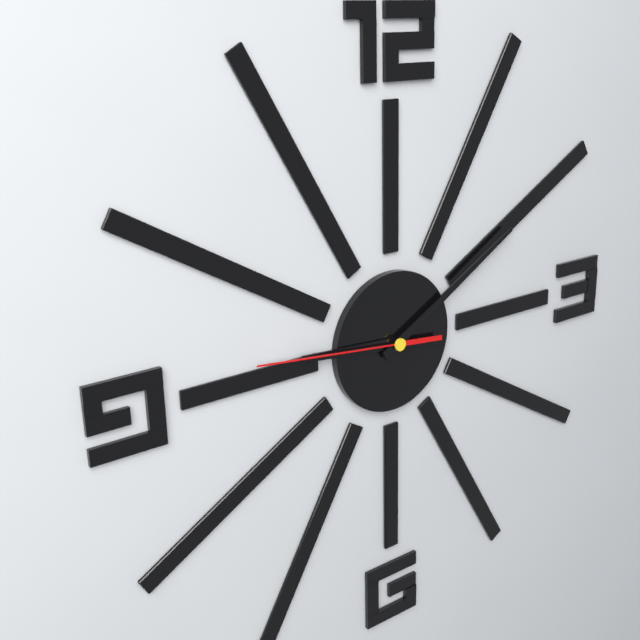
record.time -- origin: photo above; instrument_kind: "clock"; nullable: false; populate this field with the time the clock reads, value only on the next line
9:10:46
